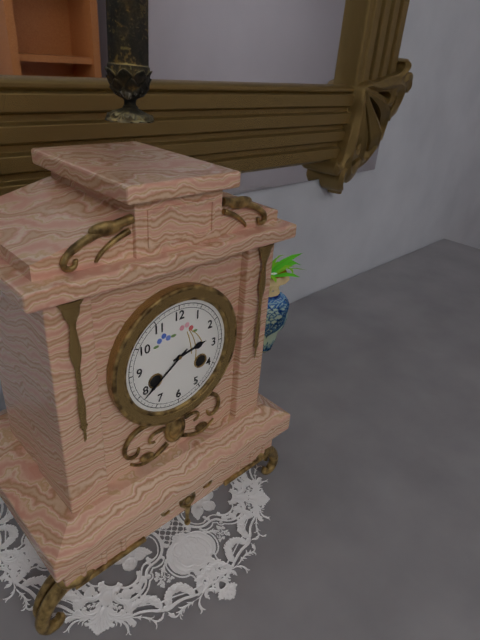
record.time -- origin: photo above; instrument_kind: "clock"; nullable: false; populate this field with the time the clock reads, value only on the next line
2:39
